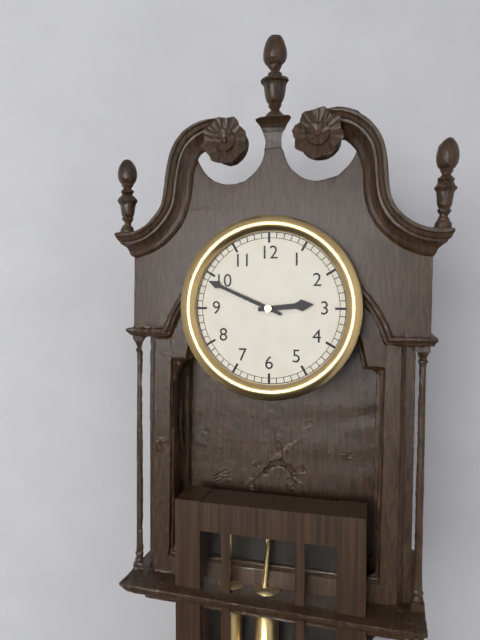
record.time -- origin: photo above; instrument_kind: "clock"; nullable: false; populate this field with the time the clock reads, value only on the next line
2:49
